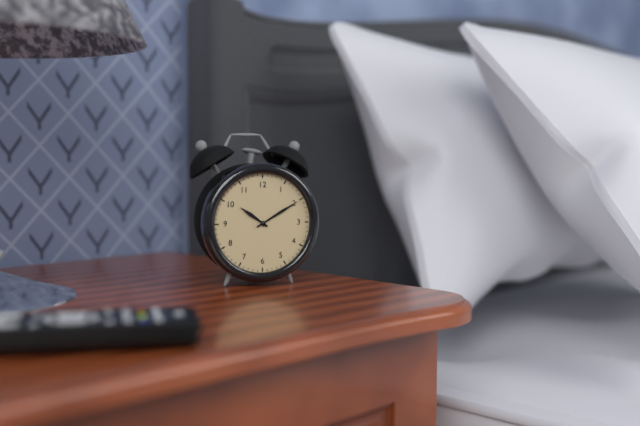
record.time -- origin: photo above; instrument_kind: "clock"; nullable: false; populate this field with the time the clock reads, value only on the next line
10:10
